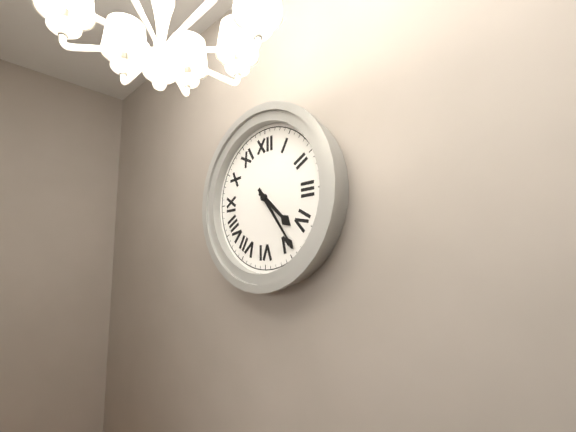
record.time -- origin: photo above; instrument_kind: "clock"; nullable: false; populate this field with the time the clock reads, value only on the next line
4:24
